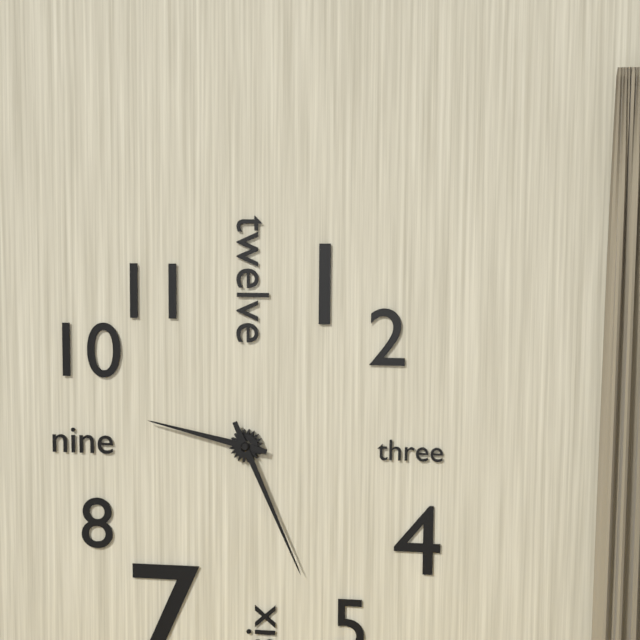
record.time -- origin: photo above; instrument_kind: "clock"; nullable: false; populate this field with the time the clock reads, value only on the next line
9:26
